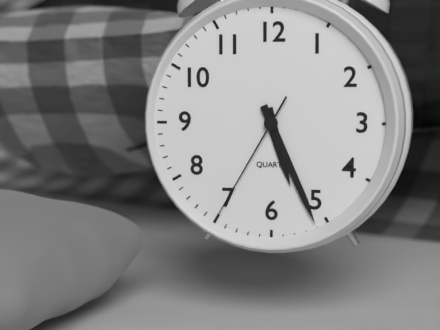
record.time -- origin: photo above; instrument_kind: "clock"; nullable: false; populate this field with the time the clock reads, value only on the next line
5:26:35
